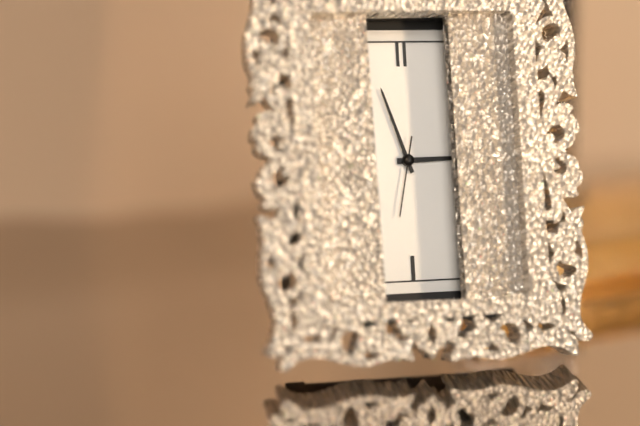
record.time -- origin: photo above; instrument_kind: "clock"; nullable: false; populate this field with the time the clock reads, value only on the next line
2:57:32
